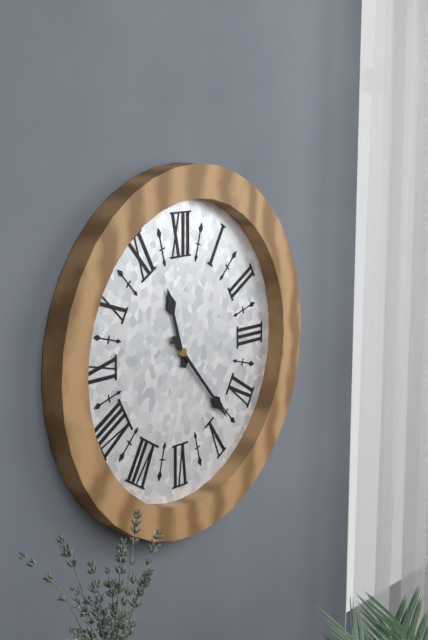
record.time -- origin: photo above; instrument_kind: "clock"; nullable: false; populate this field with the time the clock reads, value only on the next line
11:23
